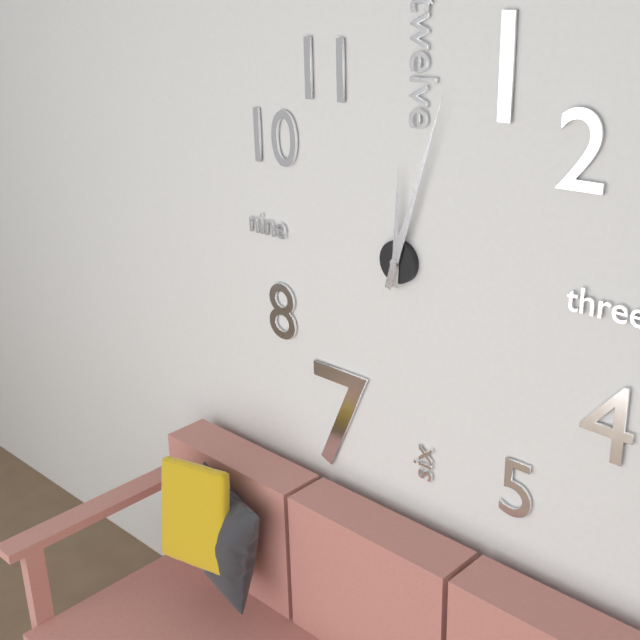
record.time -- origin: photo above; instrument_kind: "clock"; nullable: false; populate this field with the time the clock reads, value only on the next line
12:03
